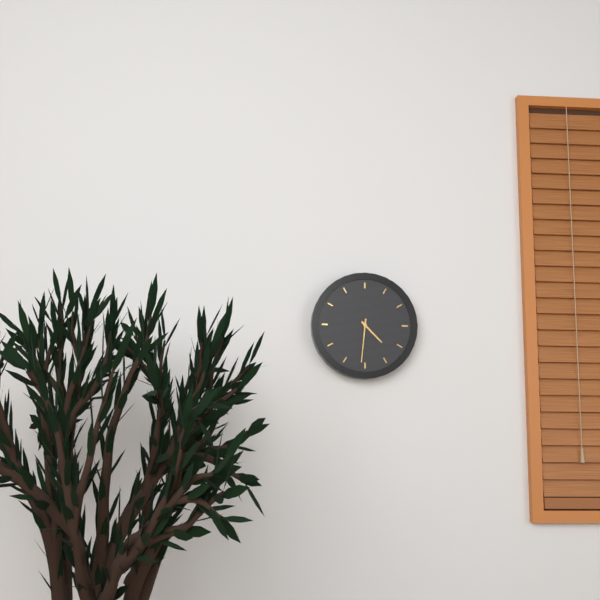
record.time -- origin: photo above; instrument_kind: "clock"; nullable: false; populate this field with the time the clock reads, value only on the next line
4:31
